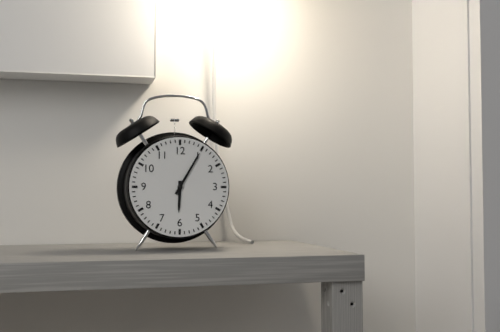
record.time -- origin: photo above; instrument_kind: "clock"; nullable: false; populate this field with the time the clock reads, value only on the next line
6:05
